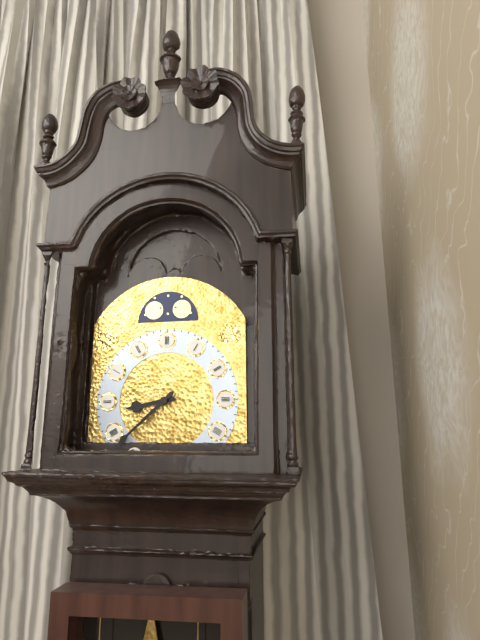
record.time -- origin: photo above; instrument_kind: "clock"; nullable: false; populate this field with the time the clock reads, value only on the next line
8:38
